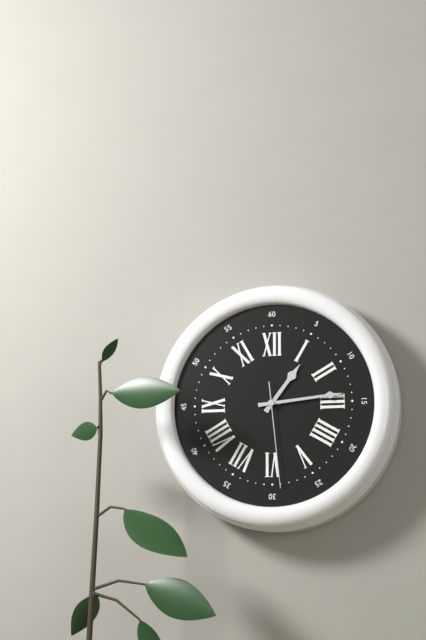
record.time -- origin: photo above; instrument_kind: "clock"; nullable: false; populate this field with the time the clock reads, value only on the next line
1:14:29
